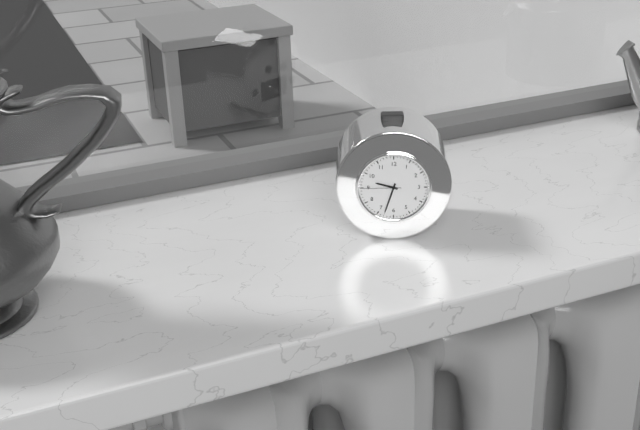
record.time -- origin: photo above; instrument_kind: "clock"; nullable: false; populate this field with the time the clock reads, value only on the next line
9:33
